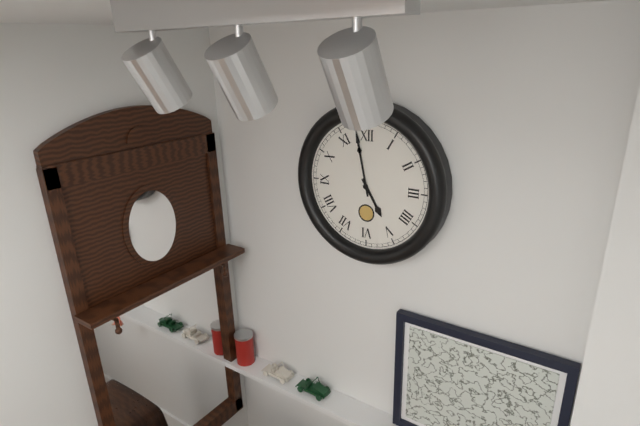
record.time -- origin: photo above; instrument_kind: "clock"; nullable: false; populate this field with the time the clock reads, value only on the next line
4:58
